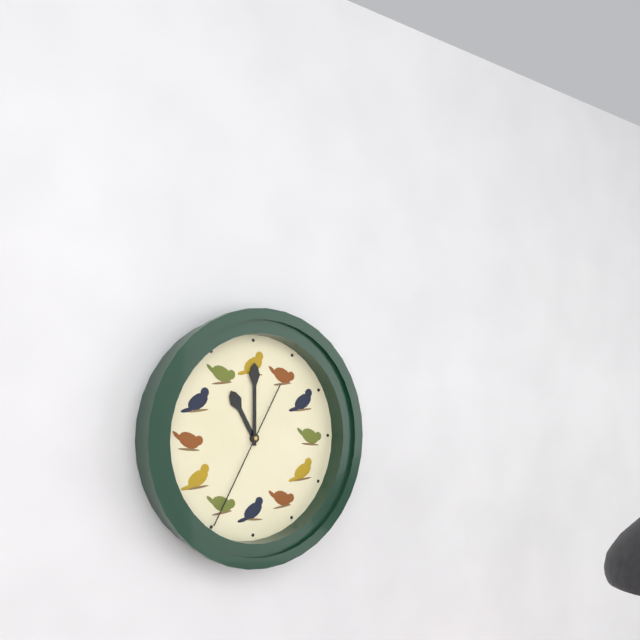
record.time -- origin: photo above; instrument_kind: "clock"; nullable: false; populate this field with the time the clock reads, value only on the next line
11:00:35
